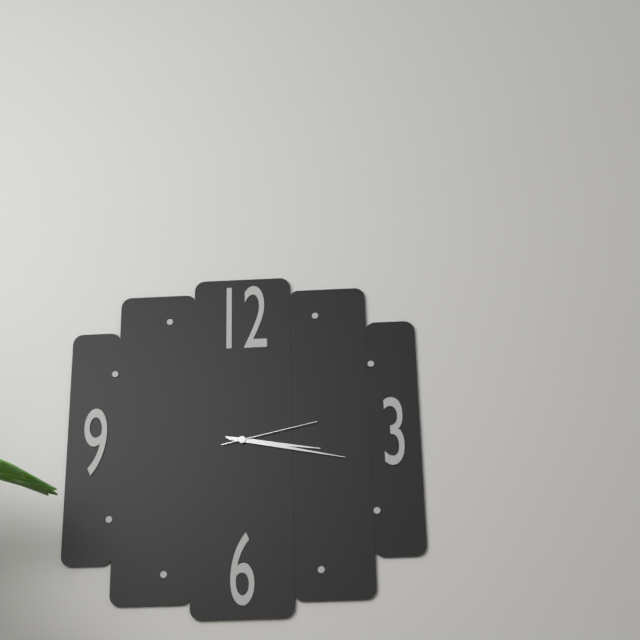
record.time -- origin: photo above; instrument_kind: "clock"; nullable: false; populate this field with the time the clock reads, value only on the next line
3:17:13
